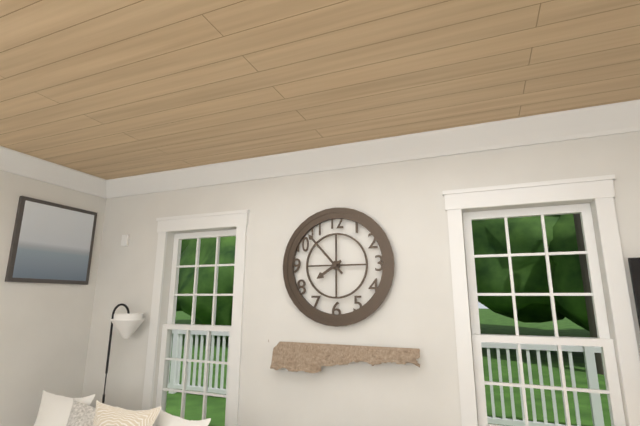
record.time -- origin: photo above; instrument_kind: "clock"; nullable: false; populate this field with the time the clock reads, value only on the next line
7:53
